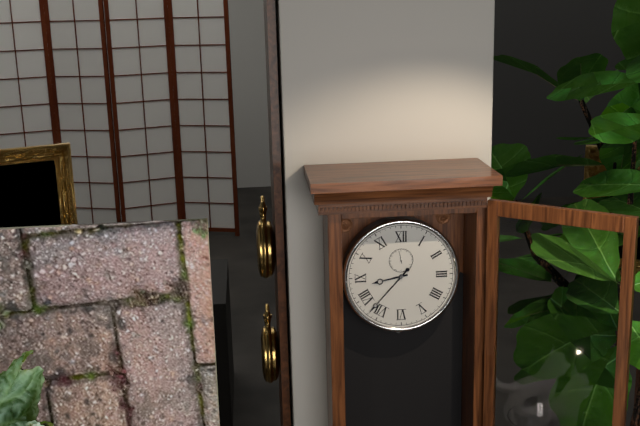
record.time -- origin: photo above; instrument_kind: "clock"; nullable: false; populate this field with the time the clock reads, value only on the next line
8:37
